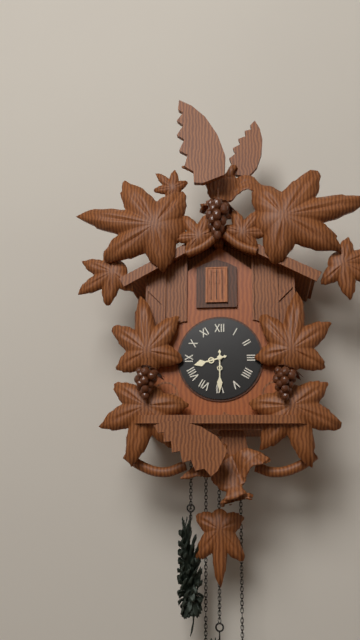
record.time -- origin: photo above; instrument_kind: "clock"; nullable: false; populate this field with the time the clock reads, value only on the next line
8:30
